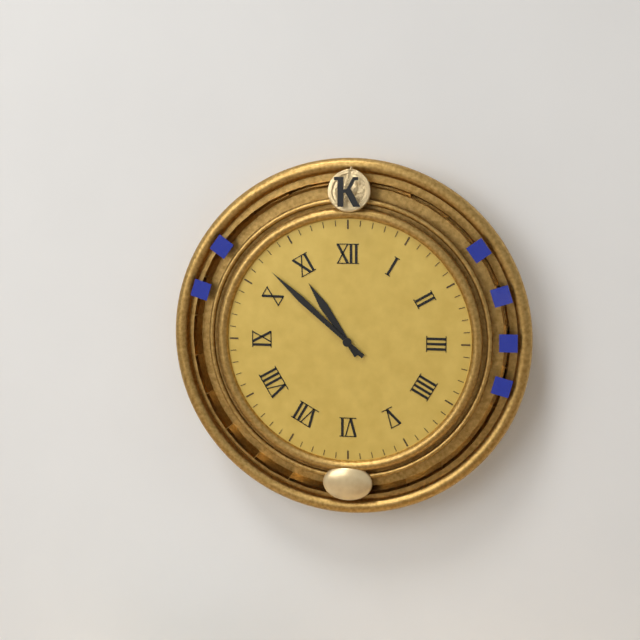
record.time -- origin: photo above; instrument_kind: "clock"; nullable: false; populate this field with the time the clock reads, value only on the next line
10:52
